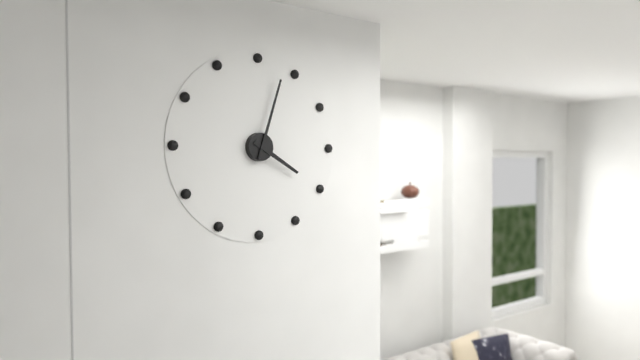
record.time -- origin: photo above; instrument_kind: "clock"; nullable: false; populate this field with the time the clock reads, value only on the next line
4:03
